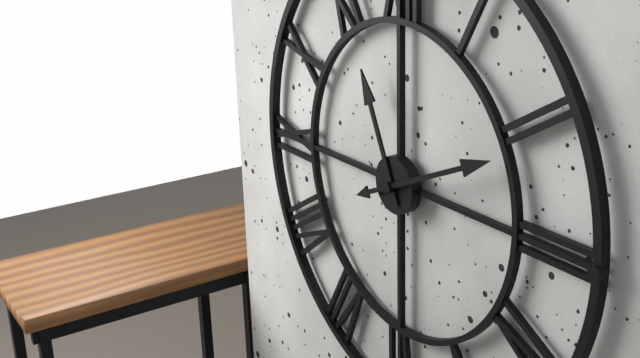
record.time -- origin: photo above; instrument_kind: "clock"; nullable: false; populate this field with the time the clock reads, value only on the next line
11:11
